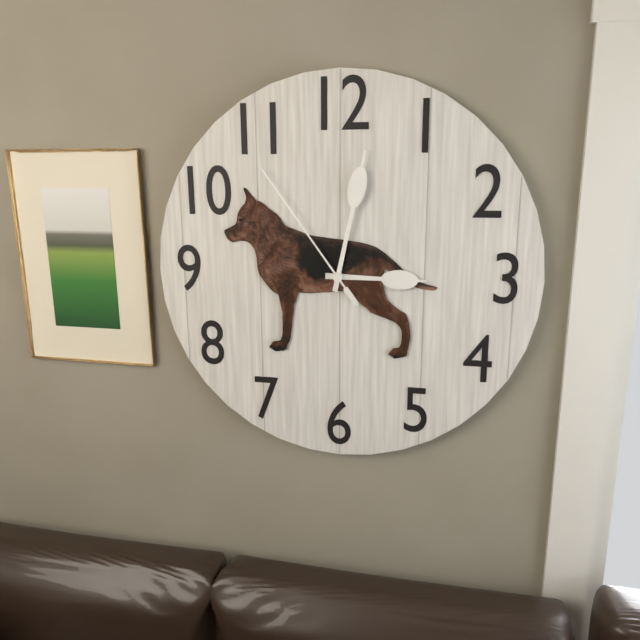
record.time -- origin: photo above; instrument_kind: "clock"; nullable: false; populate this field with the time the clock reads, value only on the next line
3:02:54
